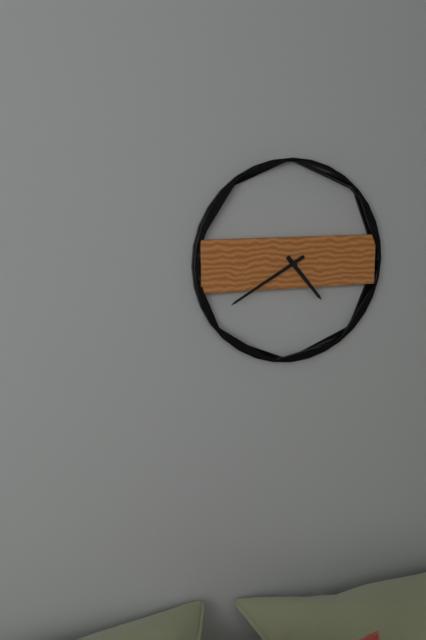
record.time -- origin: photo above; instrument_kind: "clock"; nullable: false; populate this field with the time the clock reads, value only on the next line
4:40
